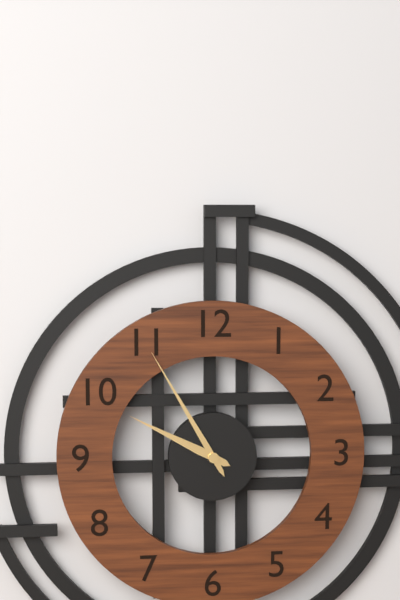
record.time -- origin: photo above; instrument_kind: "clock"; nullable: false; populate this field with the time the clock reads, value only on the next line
9:55
